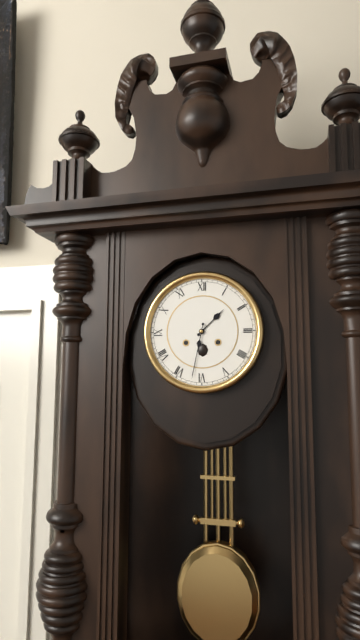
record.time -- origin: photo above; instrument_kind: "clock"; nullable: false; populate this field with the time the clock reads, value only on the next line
1:32
